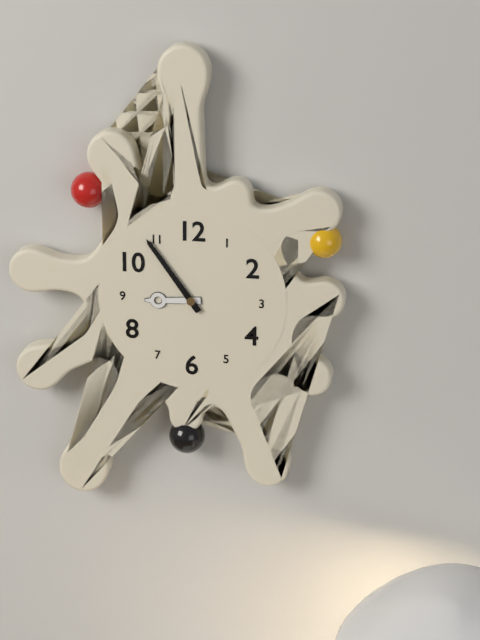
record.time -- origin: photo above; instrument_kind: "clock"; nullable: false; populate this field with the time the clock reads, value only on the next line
8:54
